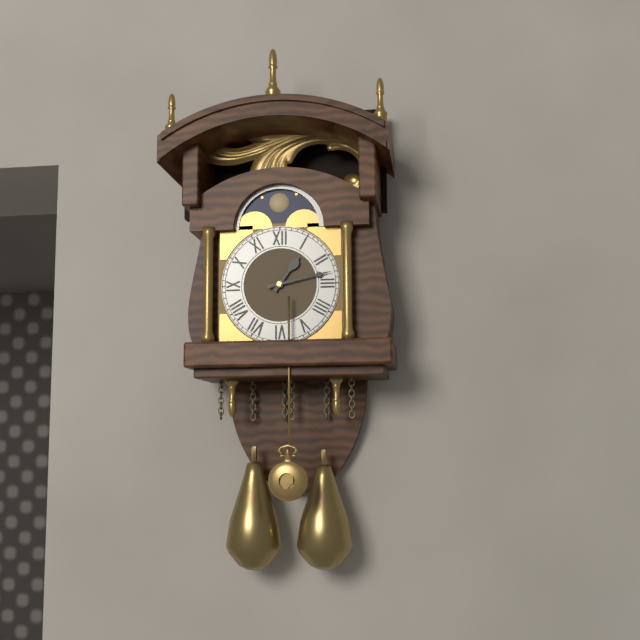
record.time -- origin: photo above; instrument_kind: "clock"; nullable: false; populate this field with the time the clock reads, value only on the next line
1:13
